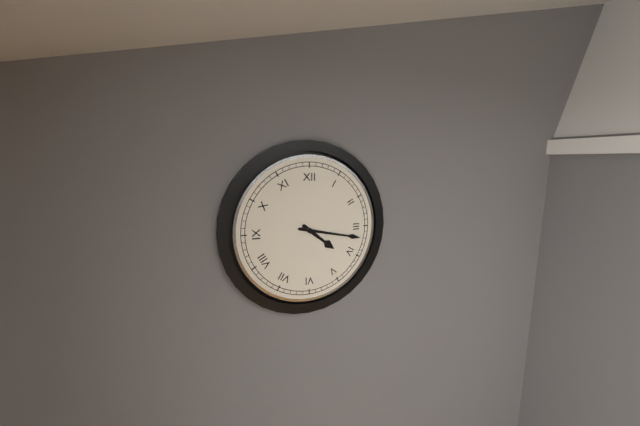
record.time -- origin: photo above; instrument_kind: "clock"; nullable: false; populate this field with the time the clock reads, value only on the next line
4:17
